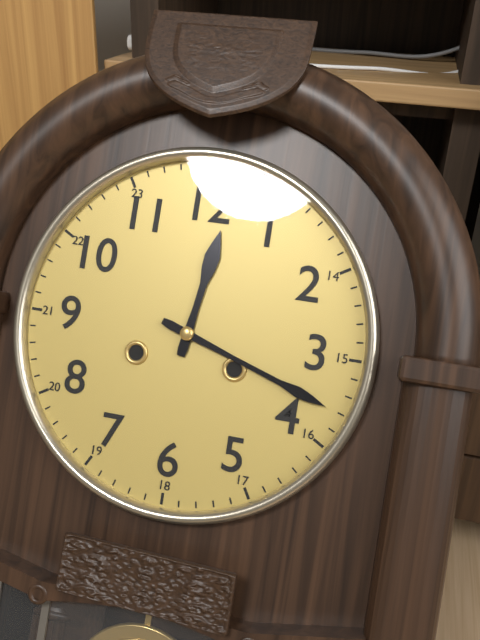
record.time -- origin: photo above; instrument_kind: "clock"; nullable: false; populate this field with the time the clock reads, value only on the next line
12:18
